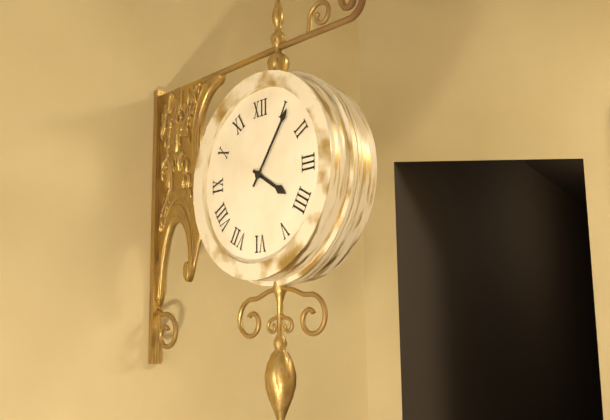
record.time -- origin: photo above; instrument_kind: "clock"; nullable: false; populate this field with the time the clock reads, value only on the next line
4:06
